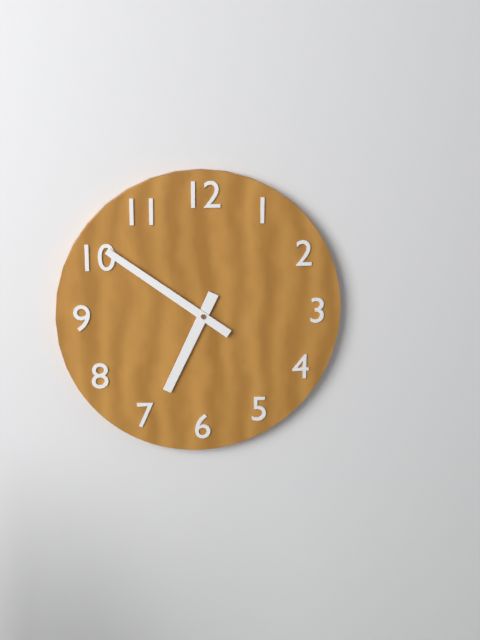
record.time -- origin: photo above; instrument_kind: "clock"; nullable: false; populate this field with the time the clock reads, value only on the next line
6:51
